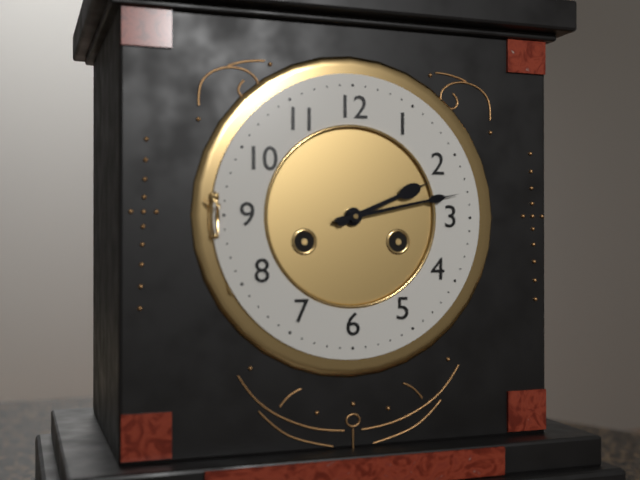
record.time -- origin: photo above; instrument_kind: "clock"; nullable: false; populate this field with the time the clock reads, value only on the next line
2:13
